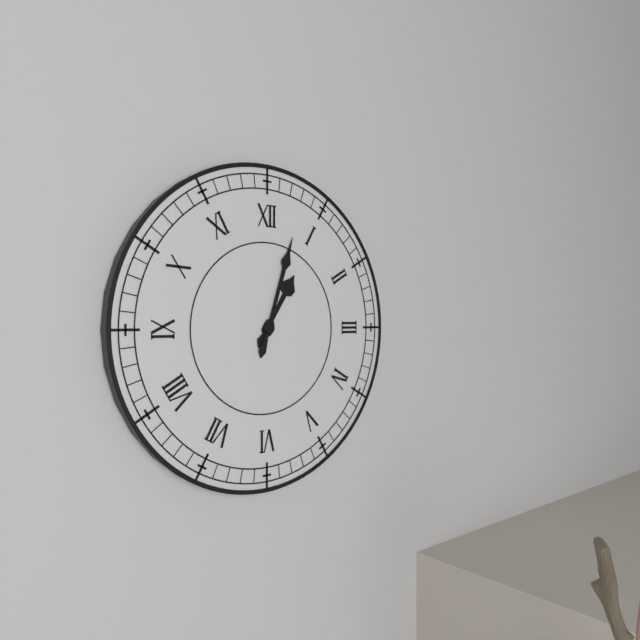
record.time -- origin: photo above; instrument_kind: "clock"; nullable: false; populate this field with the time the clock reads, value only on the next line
1:03
